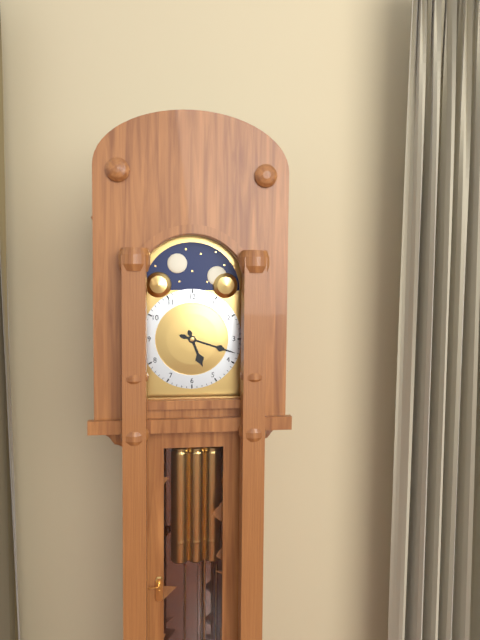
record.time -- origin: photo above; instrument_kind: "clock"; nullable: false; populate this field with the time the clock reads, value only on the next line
5:18
